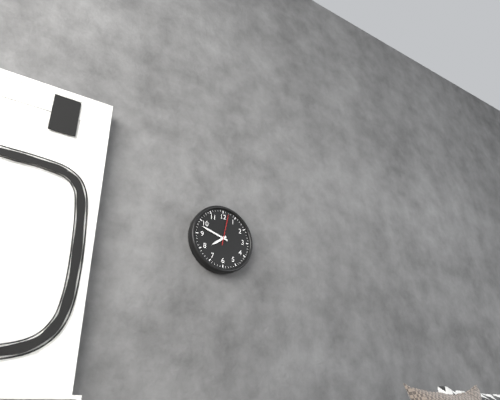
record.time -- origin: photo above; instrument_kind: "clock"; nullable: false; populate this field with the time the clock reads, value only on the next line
7:48
